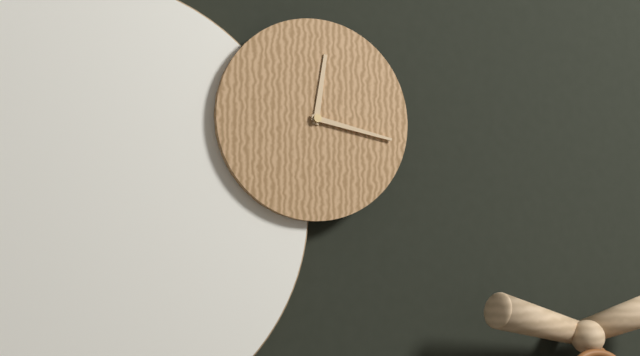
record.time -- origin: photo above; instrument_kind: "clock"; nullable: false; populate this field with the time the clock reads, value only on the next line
12:17
